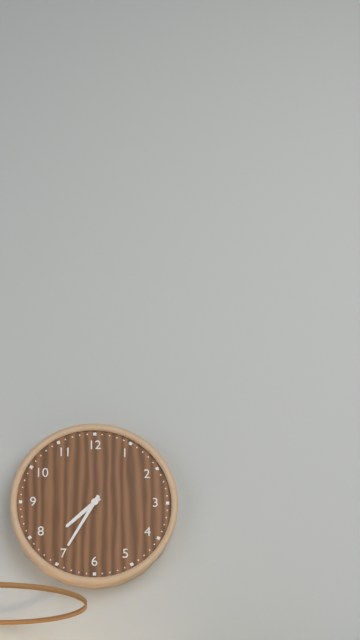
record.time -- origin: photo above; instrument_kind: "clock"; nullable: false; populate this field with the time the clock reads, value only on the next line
7:35
